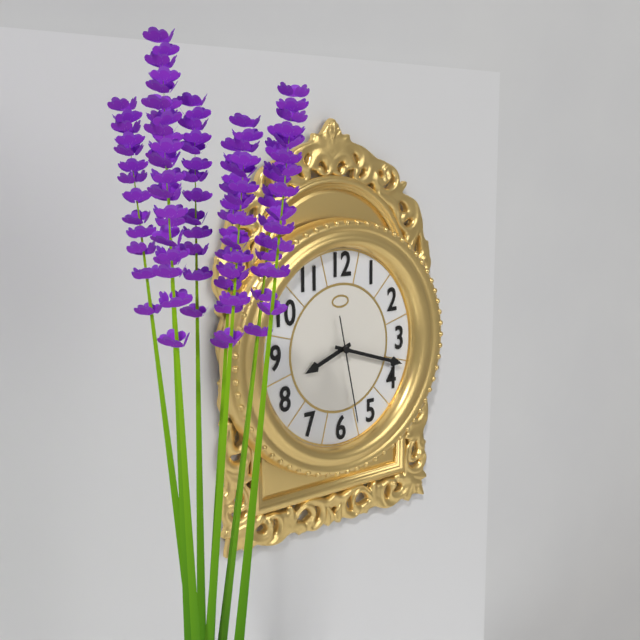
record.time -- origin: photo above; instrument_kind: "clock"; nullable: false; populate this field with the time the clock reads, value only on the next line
8:18:28
